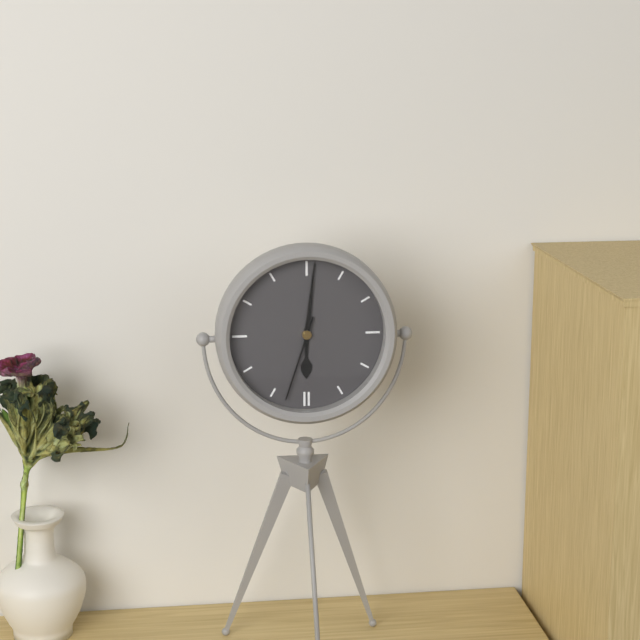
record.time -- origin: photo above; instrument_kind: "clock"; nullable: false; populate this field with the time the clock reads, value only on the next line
6:01:33
